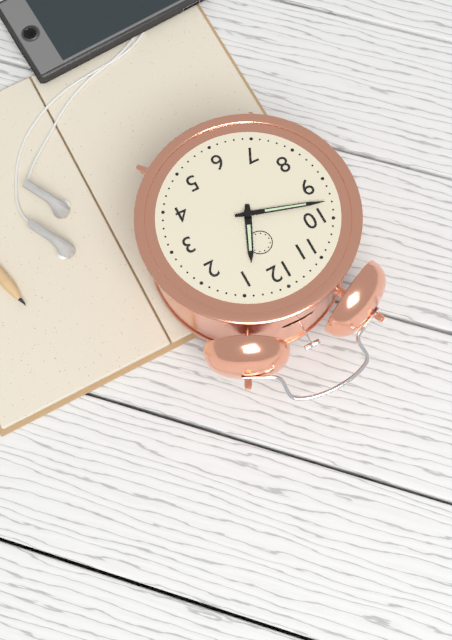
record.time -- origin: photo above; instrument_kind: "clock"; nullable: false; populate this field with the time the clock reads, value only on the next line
12:48
